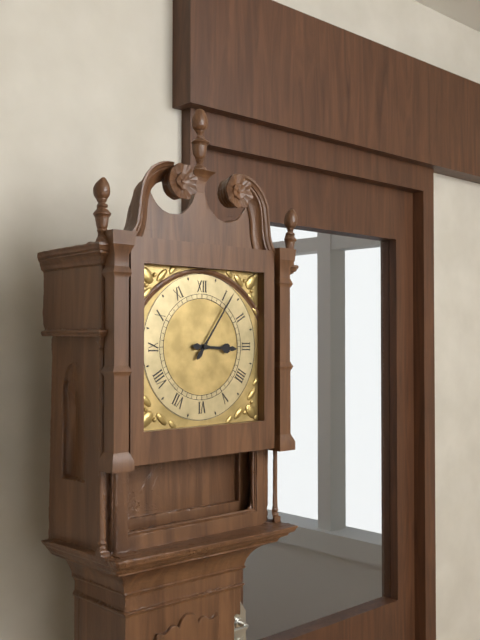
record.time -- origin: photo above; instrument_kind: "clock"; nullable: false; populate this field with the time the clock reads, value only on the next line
3:06
